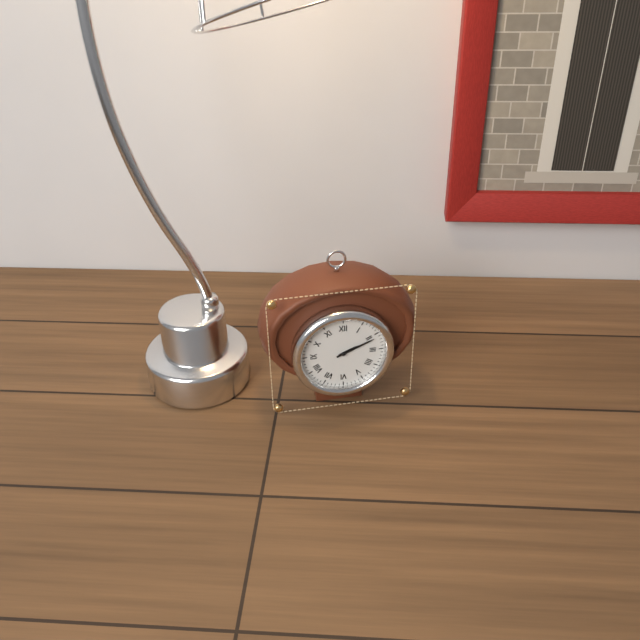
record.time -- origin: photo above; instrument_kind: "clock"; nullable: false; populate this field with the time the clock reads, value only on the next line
2:11
